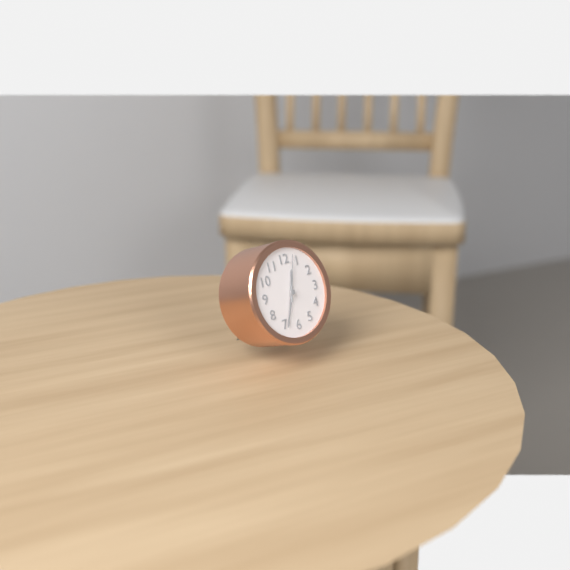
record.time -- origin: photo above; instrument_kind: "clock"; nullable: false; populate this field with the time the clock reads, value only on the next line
12:34
